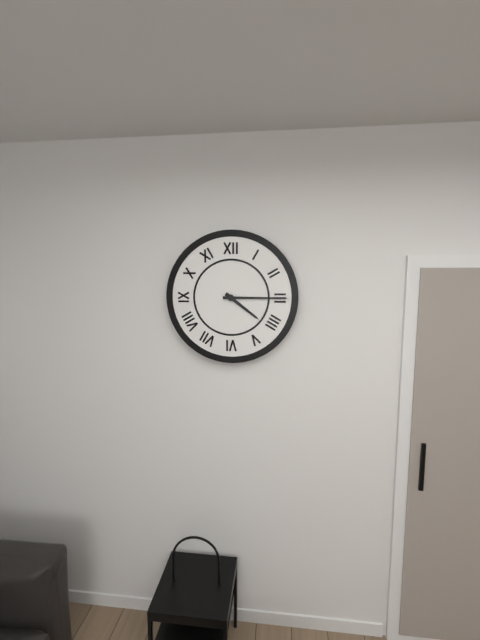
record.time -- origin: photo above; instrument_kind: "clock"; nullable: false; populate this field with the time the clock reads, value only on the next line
4:15
